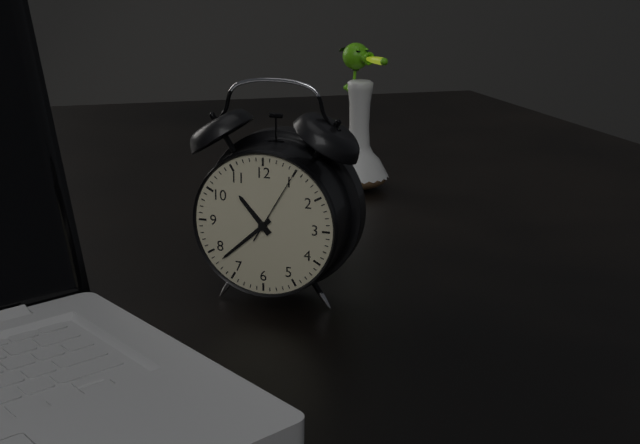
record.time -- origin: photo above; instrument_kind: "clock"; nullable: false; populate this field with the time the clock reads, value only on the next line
10:38:05
